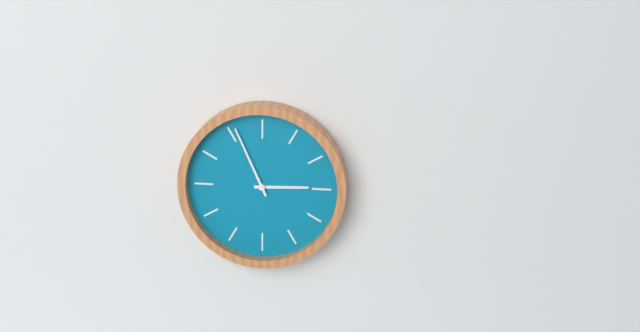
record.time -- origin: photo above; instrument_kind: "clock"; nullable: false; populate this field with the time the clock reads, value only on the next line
2:56
